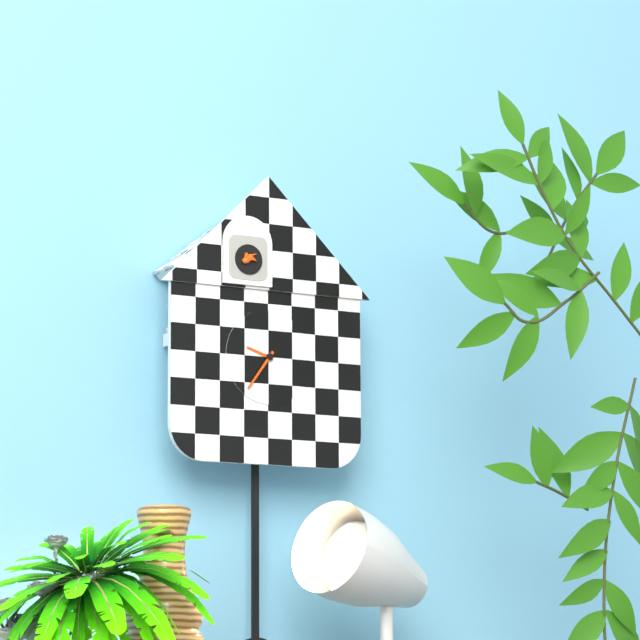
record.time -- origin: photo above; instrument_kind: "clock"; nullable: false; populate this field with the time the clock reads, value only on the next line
9:36
